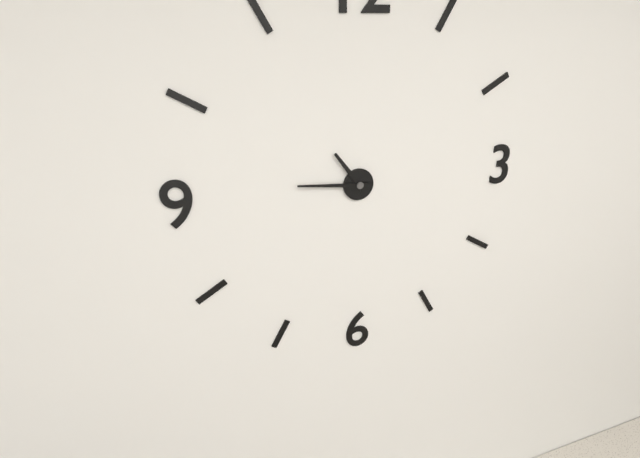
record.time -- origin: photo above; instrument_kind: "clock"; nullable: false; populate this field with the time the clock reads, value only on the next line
10:46
